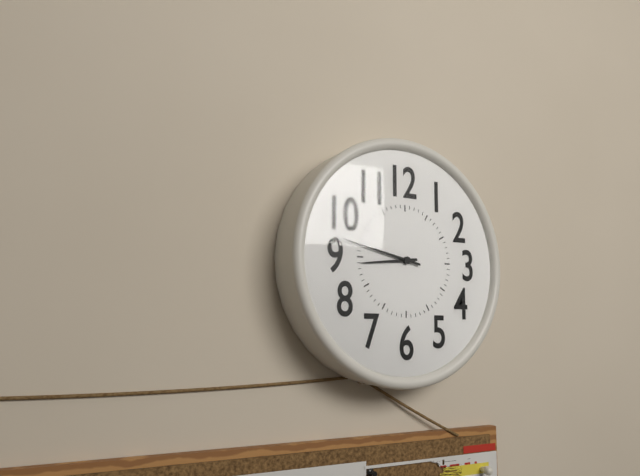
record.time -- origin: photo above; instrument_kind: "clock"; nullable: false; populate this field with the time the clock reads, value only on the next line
8:47
